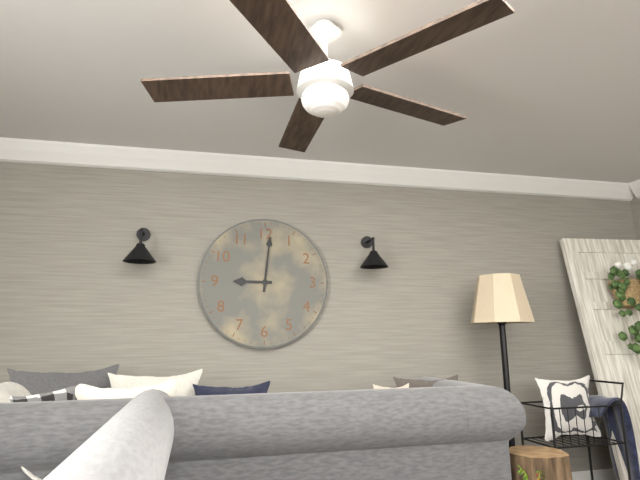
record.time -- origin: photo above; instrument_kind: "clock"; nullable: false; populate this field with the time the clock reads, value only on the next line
9:01
